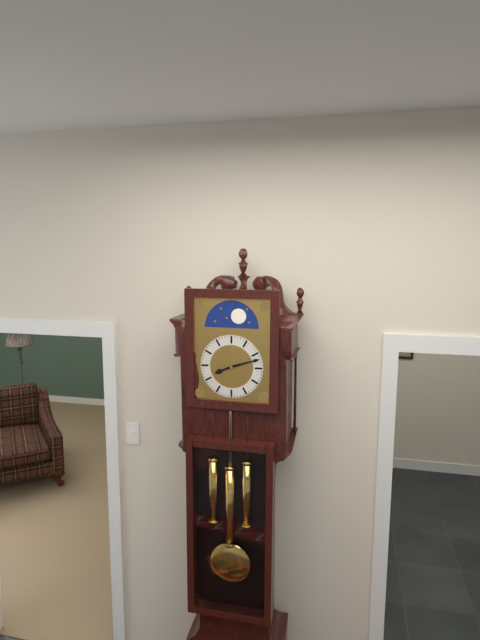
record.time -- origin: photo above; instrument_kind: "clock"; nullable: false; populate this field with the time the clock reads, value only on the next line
8:12
